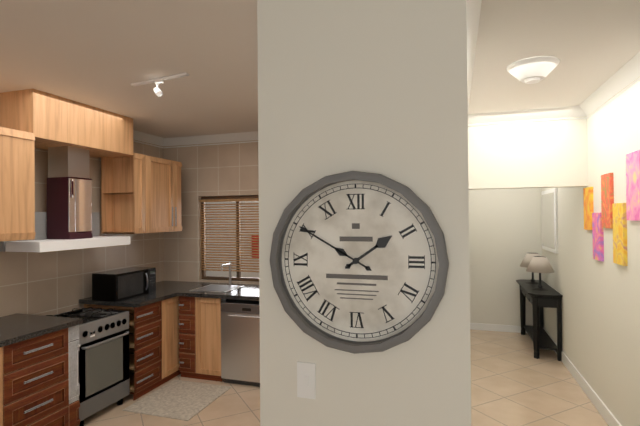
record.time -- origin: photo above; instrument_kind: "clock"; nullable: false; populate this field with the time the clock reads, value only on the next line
1:50
